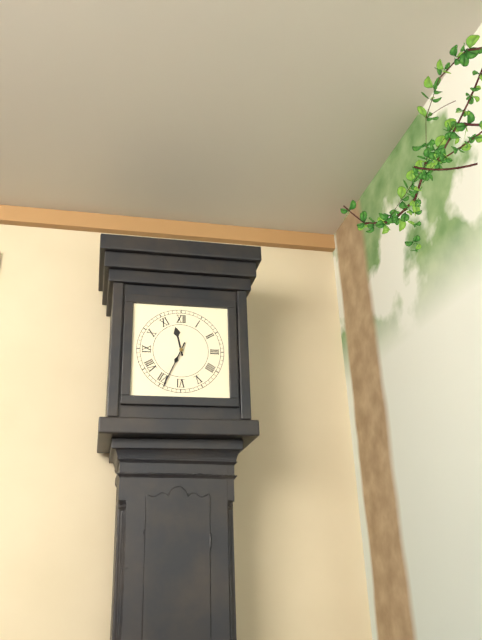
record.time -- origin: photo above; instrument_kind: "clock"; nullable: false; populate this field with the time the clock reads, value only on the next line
11:34
